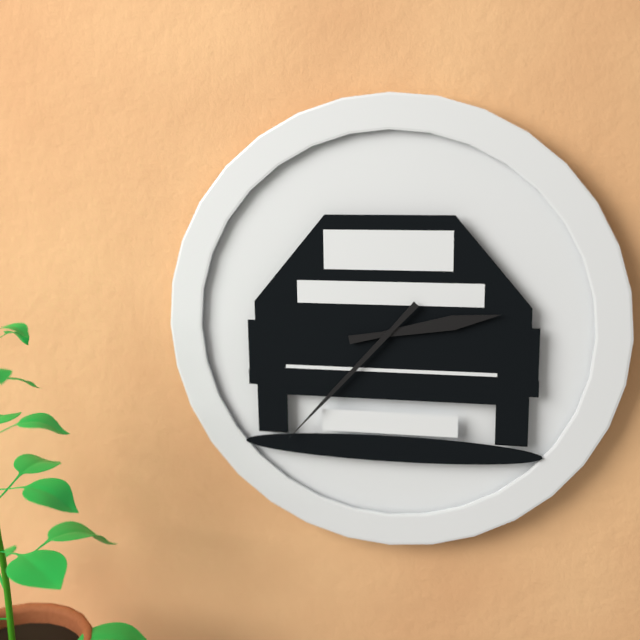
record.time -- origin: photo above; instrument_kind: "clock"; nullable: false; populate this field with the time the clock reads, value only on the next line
2:37
